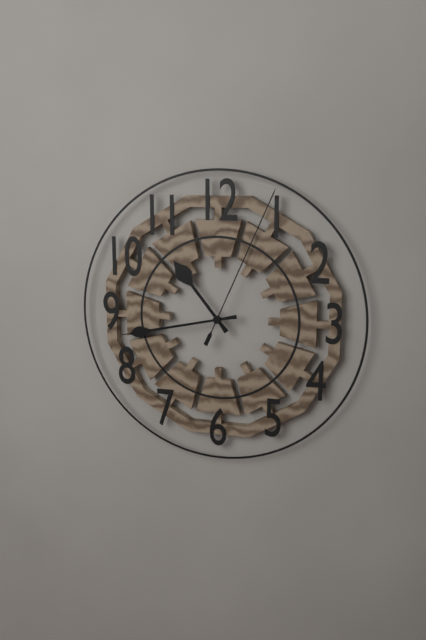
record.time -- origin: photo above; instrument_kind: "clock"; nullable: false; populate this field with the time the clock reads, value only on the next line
10:43:04
